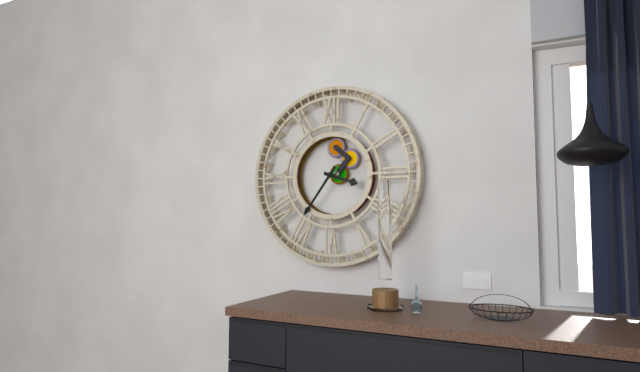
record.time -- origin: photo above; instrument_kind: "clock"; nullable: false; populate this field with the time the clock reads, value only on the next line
3:36
